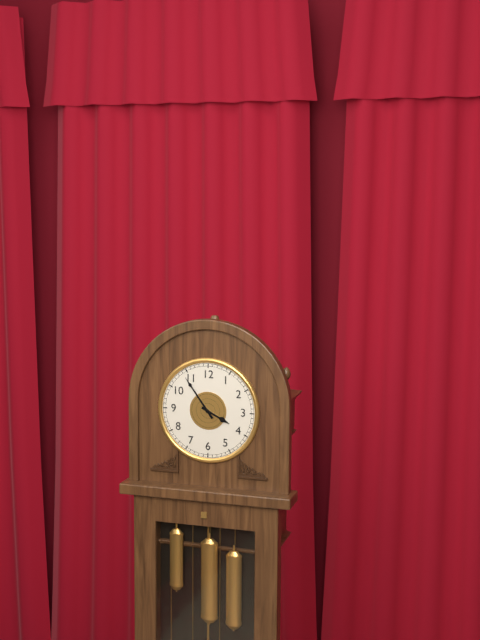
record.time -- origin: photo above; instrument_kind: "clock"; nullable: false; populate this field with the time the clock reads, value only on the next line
3:54
